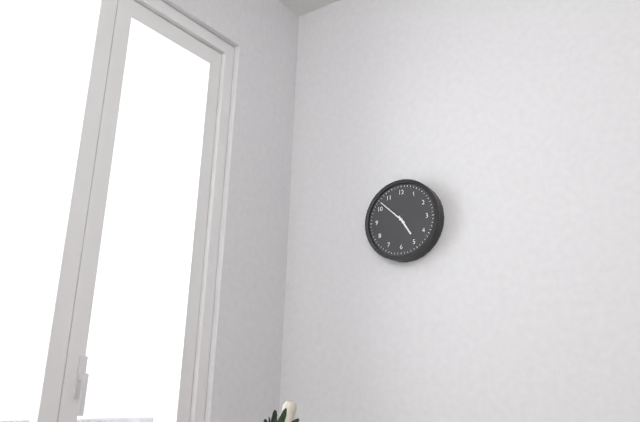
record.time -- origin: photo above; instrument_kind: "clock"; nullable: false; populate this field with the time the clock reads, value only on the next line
4:52
